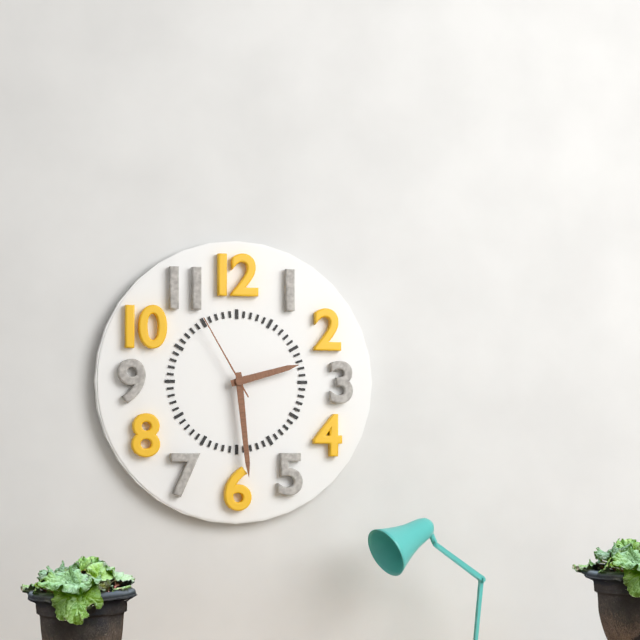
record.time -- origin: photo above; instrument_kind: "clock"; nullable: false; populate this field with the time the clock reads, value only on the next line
2:29:55
